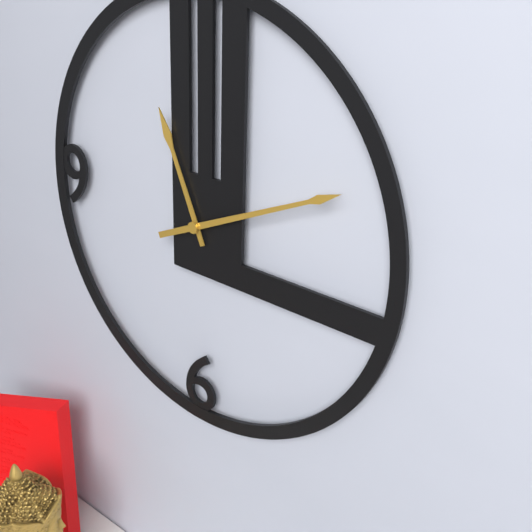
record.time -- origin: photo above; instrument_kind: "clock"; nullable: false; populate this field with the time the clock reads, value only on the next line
11:11
